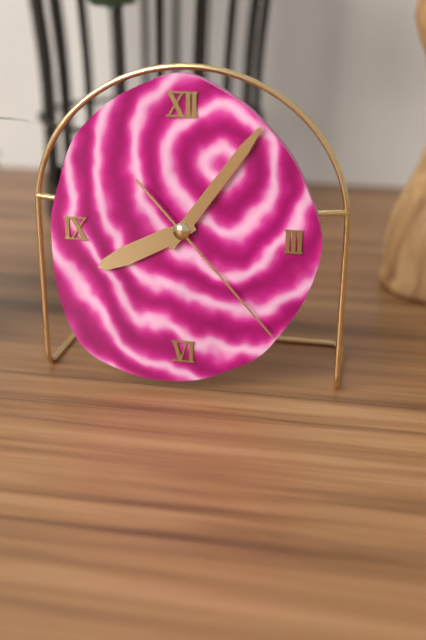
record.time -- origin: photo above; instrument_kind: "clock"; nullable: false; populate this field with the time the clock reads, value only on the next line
8:06:23
